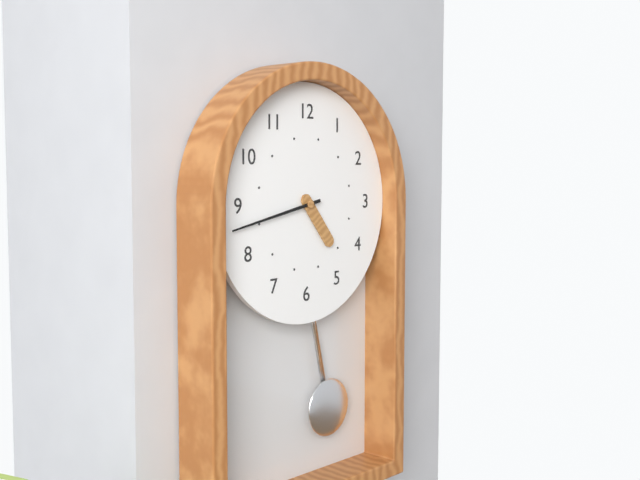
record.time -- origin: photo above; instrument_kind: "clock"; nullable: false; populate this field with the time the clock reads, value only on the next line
4:43
